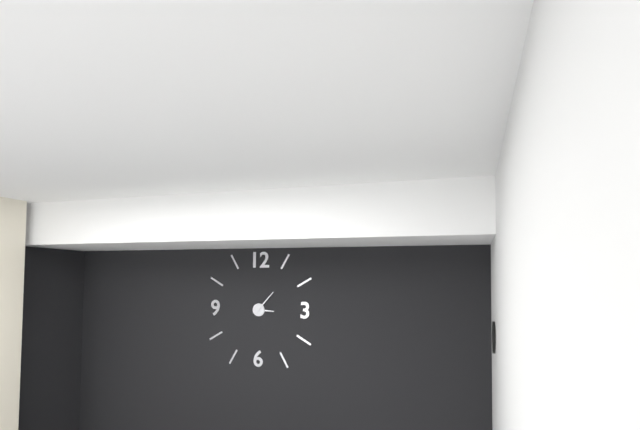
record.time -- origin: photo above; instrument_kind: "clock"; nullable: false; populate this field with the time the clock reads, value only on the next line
3:07
